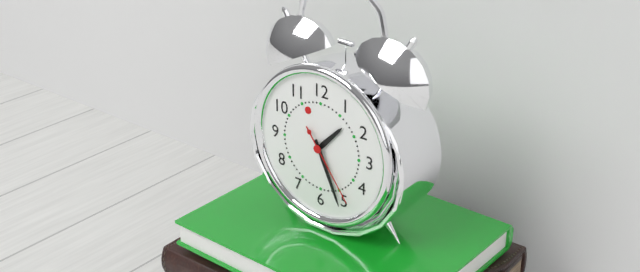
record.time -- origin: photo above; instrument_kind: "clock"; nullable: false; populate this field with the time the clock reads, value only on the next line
1:26:24
